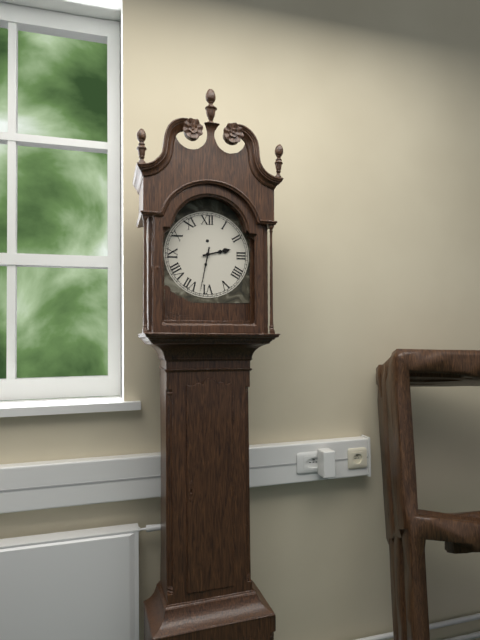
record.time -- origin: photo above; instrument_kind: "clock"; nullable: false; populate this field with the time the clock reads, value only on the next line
2:32
